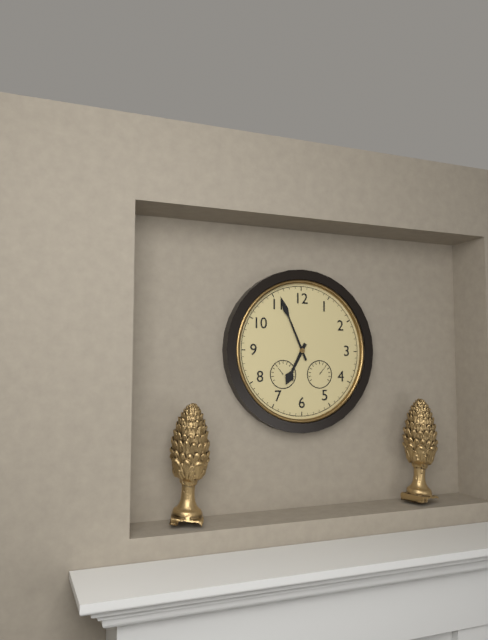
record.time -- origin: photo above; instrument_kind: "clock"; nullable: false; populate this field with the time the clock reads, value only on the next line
6:56
